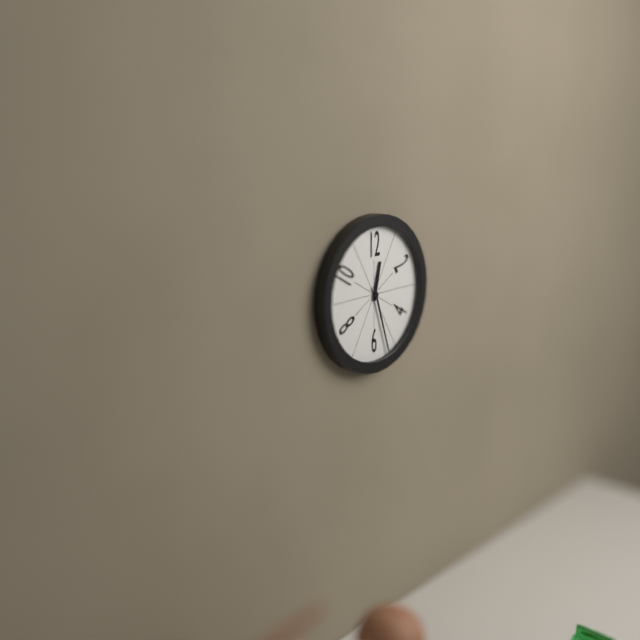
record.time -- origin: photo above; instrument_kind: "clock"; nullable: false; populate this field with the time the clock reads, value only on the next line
12:27
